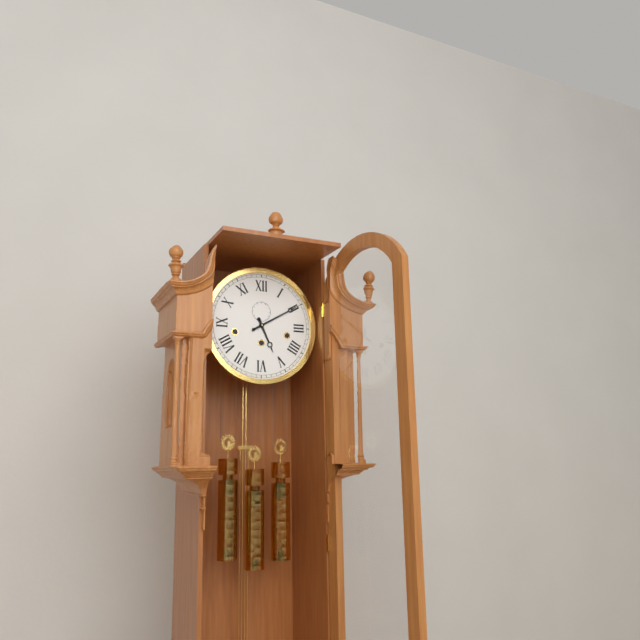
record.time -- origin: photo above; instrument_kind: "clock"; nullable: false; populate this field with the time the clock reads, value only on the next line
5:10
